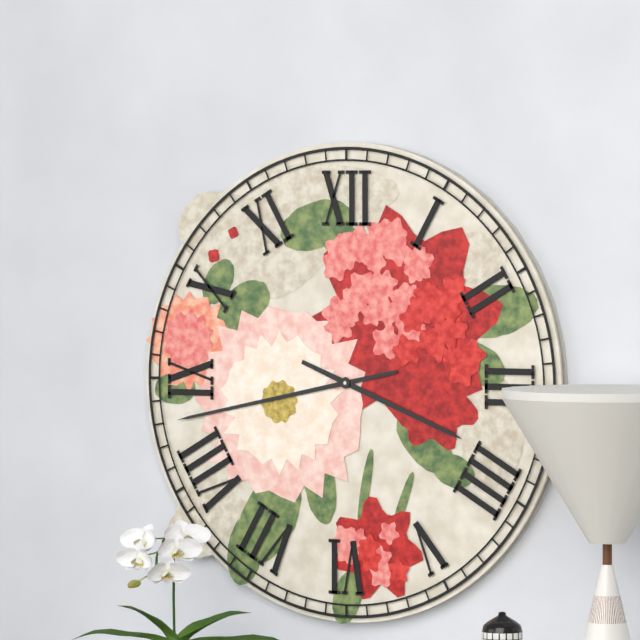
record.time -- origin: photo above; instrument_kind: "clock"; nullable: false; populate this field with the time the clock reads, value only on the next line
3:43
